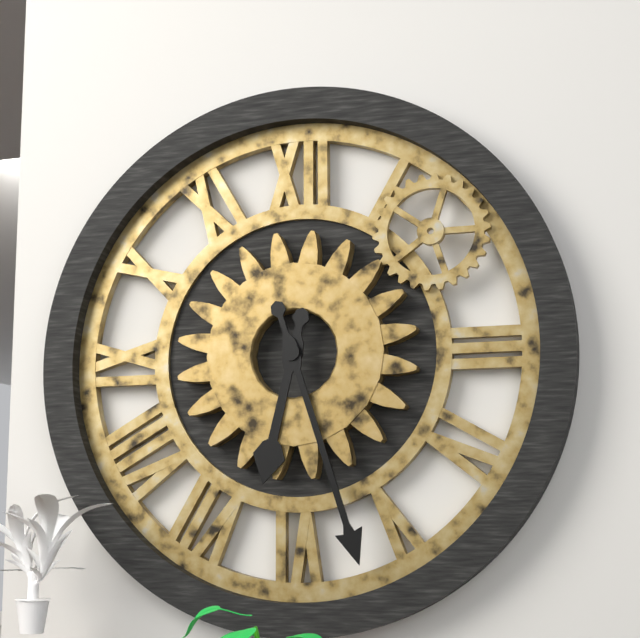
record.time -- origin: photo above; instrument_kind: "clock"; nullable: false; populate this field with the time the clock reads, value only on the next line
6:27
